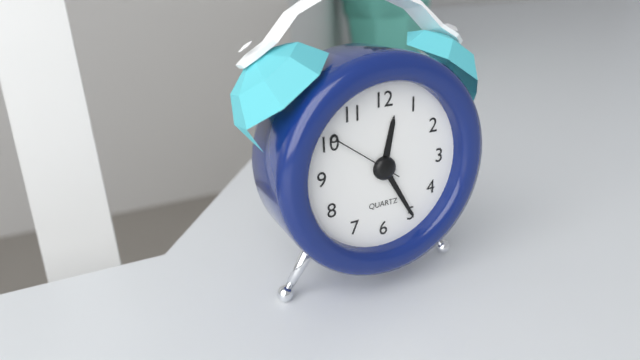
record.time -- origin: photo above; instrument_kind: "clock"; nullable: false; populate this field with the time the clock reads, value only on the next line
12:25:51
